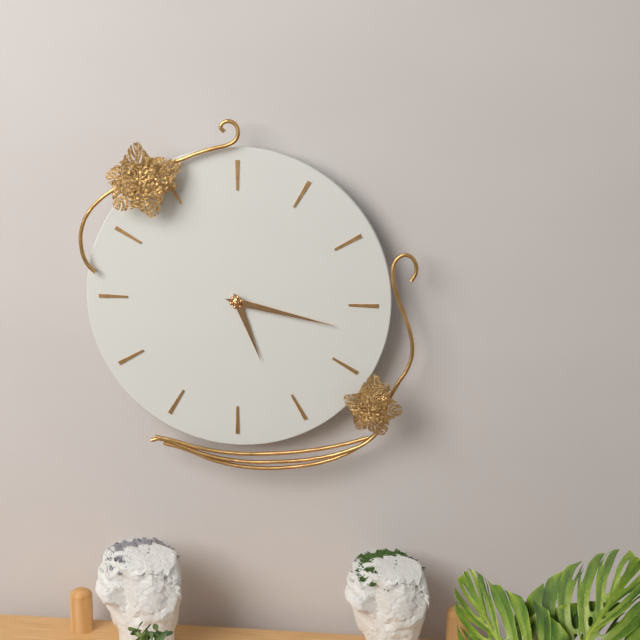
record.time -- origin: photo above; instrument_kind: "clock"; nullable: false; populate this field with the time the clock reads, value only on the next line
5:17
